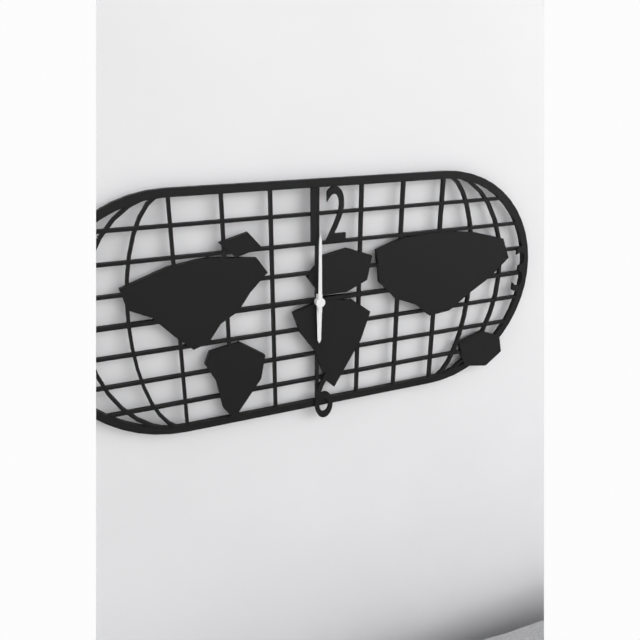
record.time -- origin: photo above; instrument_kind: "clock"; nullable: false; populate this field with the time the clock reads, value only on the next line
6:00
